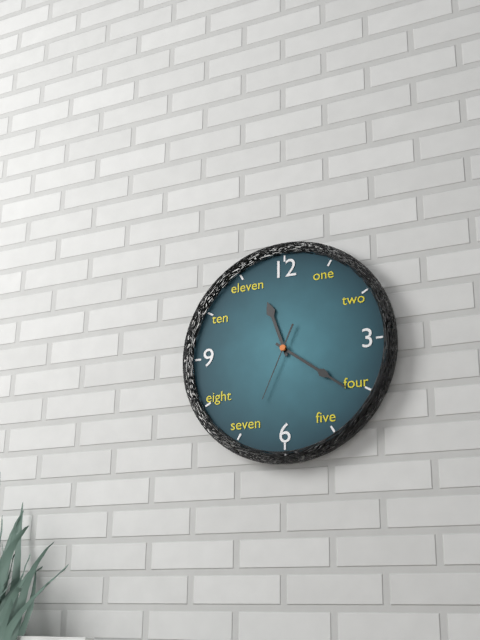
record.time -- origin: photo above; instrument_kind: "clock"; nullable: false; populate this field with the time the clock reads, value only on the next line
11:21:34
